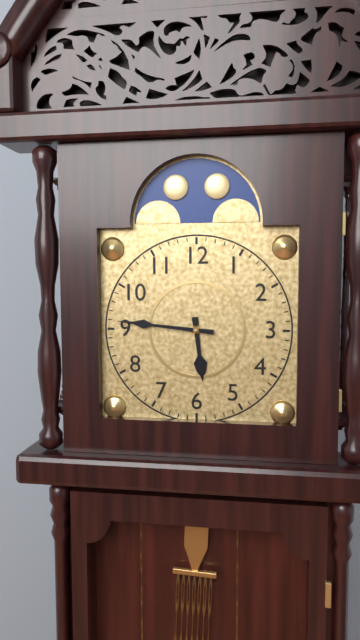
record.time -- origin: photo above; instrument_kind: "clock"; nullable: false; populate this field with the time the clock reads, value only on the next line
5:46
